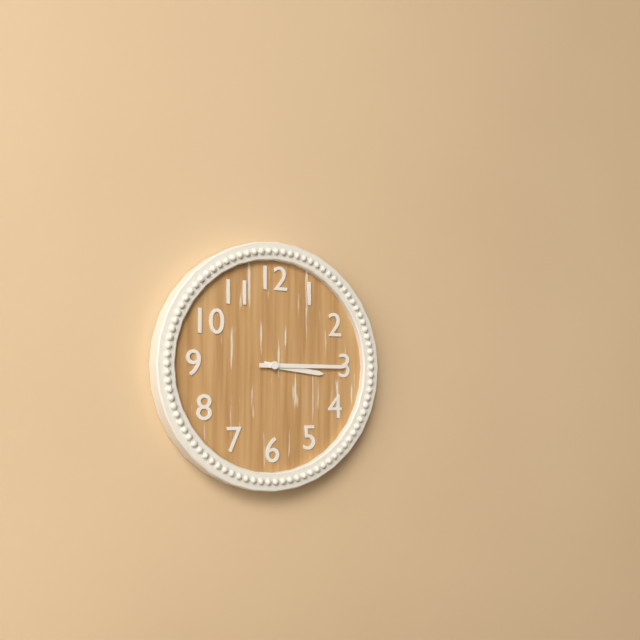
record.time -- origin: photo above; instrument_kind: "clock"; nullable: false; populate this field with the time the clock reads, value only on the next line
3:15
